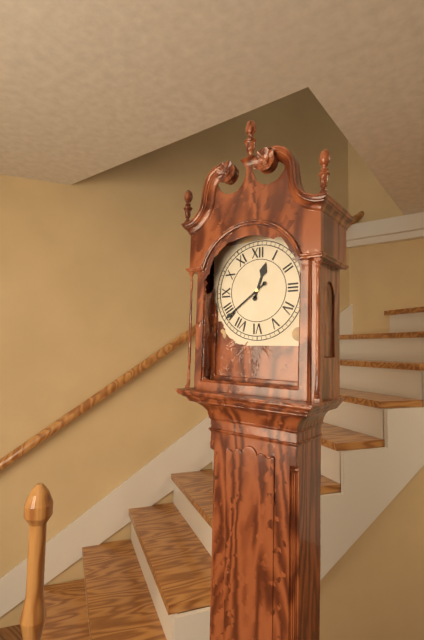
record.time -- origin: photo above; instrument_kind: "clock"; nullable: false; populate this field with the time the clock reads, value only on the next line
12:39
